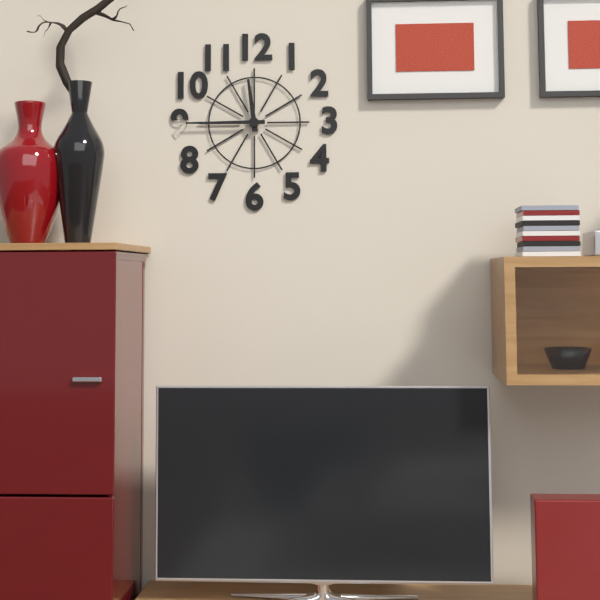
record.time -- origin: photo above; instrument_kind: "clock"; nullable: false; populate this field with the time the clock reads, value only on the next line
11:45
